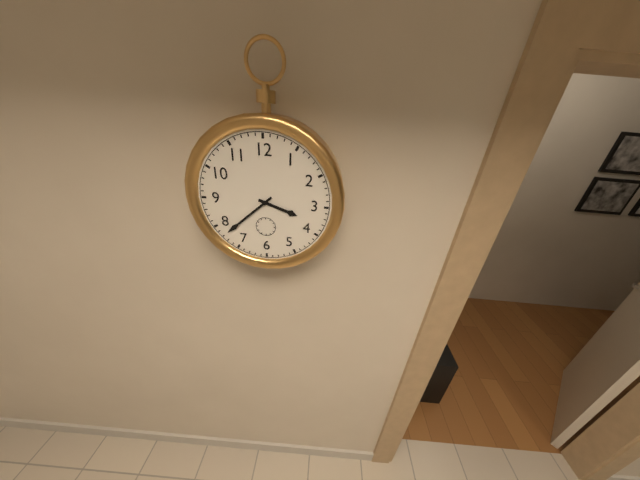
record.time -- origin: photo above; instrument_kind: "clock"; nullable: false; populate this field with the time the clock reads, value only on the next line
3:38
